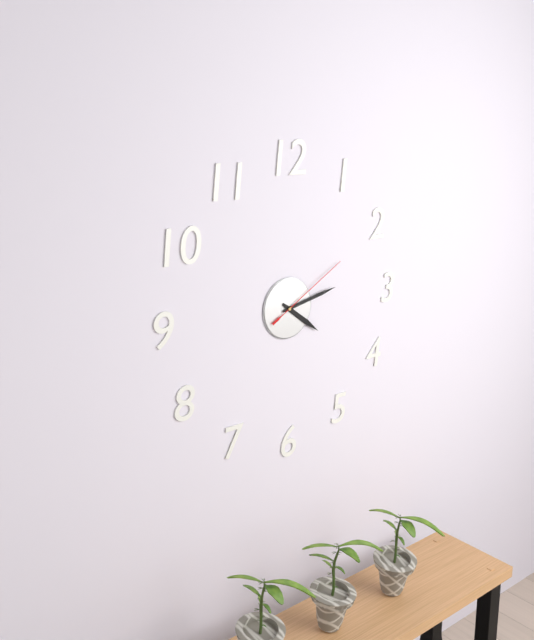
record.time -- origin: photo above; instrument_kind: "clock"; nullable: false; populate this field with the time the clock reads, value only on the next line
4:13:10
